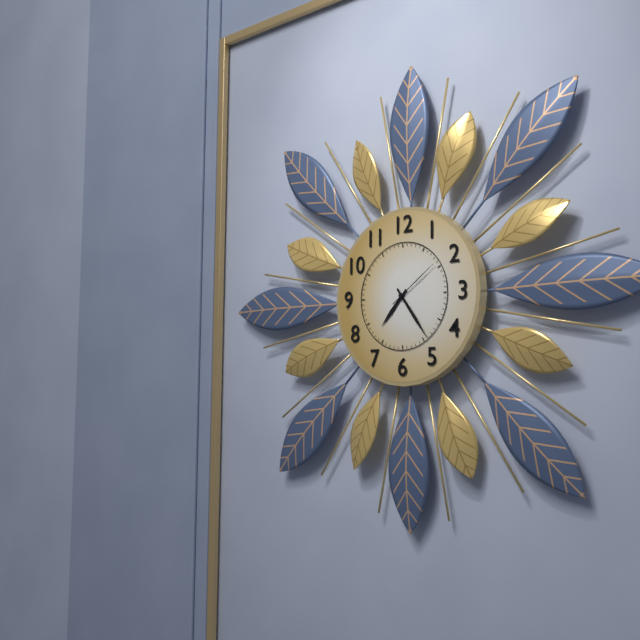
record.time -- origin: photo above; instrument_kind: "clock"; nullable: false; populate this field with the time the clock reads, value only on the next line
7:24:09
